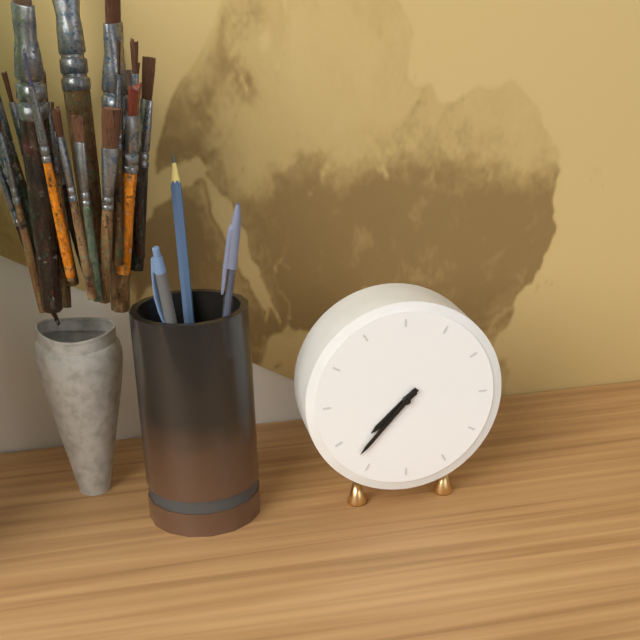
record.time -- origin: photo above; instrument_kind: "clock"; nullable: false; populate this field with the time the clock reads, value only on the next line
7:37
